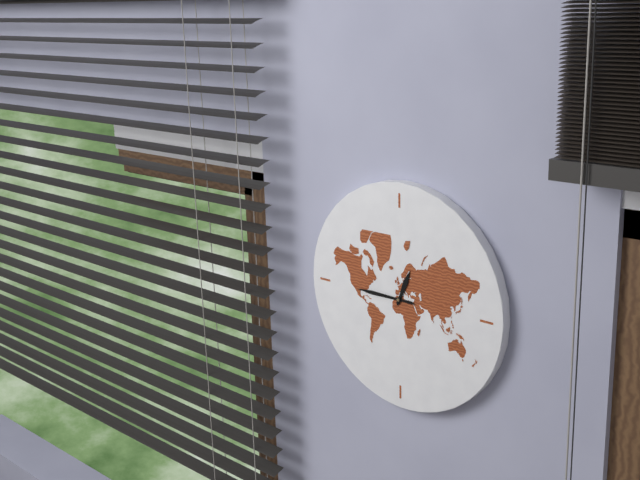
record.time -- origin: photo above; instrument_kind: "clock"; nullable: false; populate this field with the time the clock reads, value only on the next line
12:45
